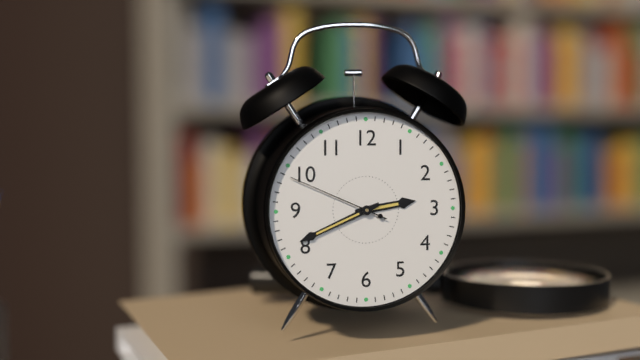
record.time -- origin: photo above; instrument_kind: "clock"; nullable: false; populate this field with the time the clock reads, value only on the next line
2:41:49
